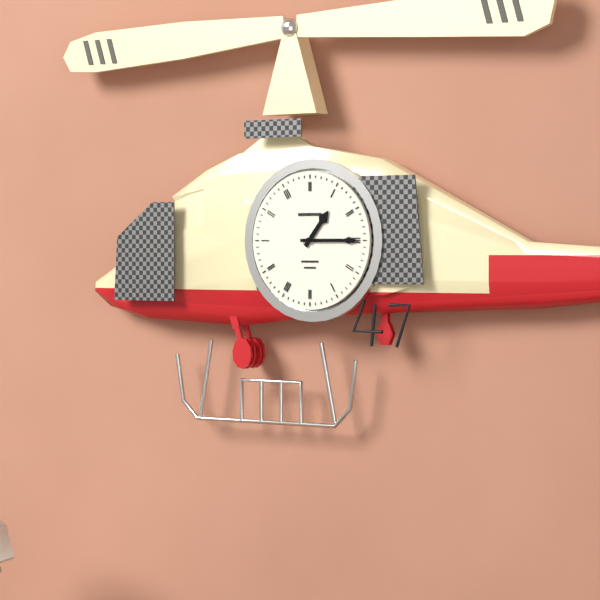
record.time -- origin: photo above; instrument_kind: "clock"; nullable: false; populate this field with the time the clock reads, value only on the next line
1:15
